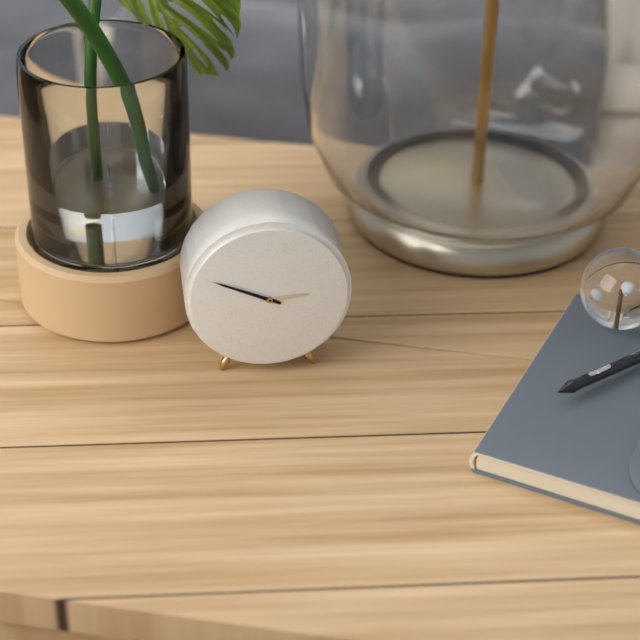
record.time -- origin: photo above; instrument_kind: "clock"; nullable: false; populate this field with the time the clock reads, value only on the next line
2:49
